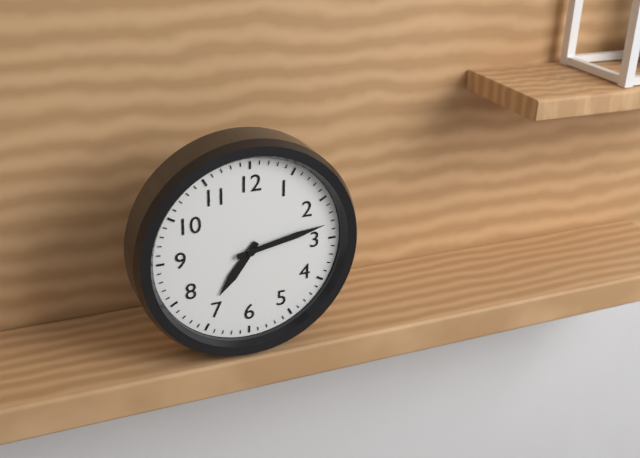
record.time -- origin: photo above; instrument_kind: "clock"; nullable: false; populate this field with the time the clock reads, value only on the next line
7:13
